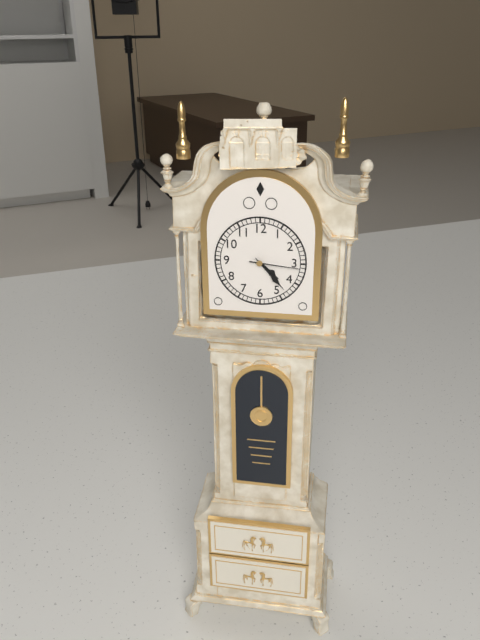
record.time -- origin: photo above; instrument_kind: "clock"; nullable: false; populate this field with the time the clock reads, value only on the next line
4:23:16
